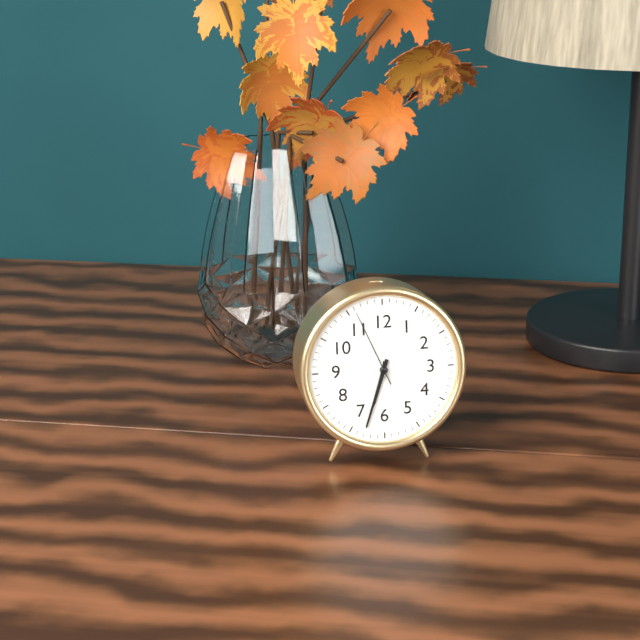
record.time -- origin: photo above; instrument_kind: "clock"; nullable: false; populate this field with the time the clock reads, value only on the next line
6:33:56
